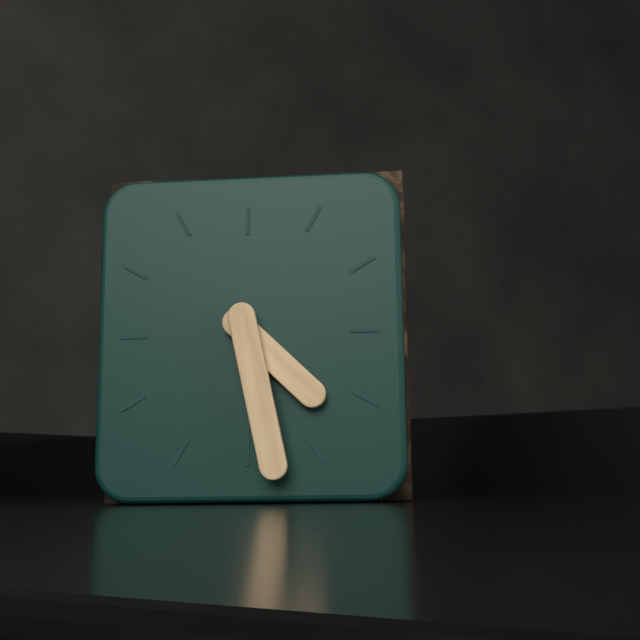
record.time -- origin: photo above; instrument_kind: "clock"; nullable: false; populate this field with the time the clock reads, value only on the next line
4:28
